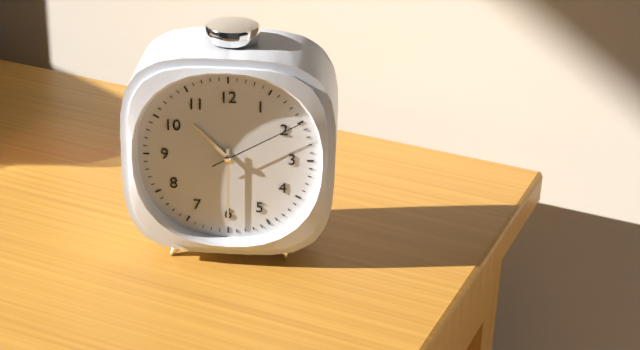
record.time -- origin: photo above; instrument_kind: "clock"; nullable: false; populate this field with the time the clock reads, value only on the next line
10:30:10
